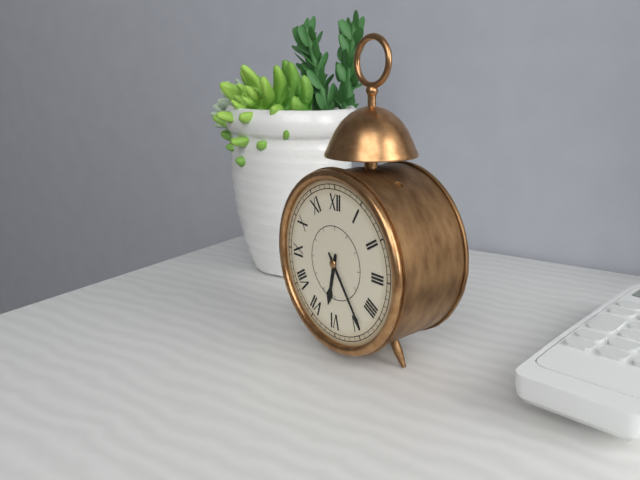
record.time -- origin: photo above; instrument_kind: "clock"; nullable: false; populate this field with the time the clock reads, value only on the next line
6:24
